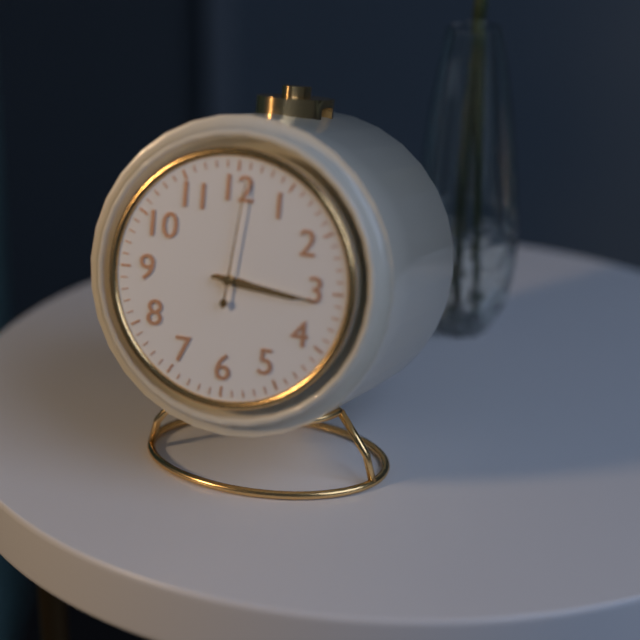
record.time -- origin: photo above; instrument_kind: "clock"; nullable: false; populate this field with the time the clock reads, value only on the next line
3:16:01
